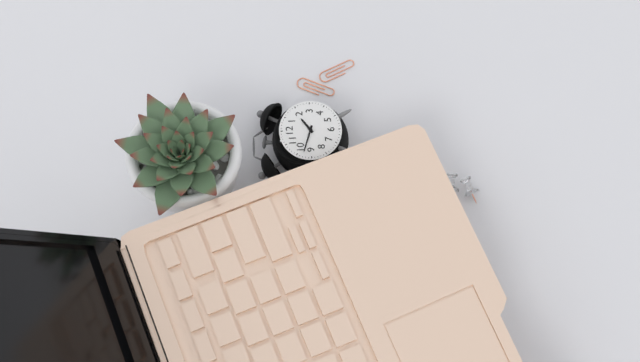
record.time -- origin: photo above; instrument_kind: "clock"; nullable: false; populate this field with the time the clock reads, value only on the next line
1:48
